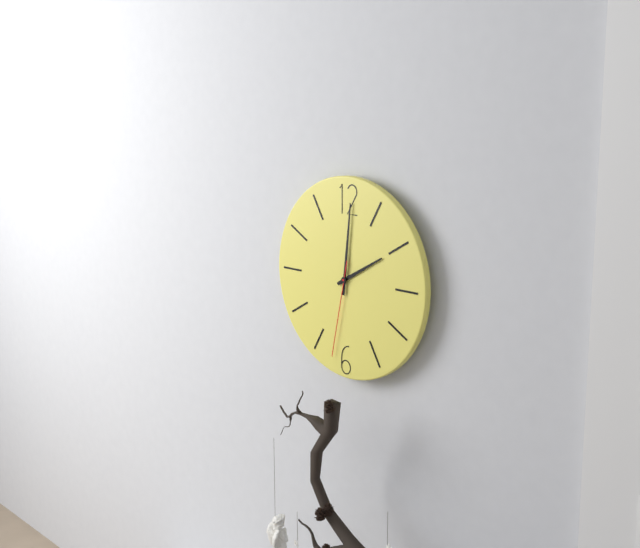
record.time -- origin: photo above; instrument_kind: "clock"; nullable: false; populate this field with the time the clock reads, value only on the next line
2:01:32
